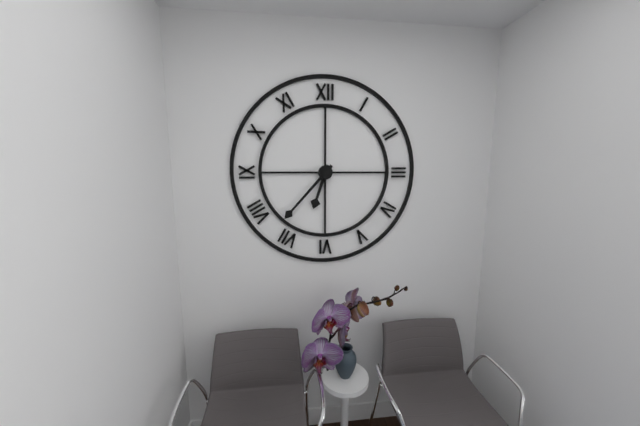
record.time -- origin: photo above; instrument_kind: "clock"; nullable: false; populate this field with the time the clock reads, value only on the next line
6:37
